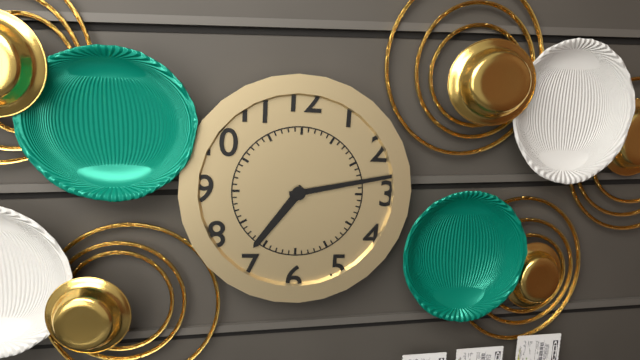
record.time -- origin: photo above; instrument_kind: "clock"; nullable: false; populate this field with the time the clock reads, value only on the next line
7:13
